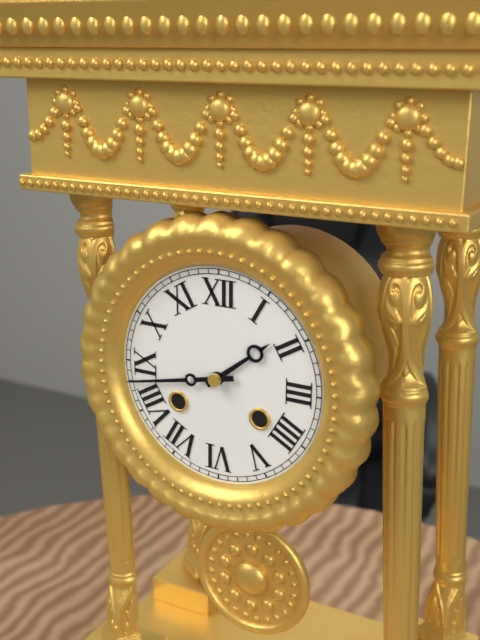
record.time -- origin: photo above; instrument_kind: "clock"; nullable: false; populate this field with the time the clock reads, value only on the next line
1:43
